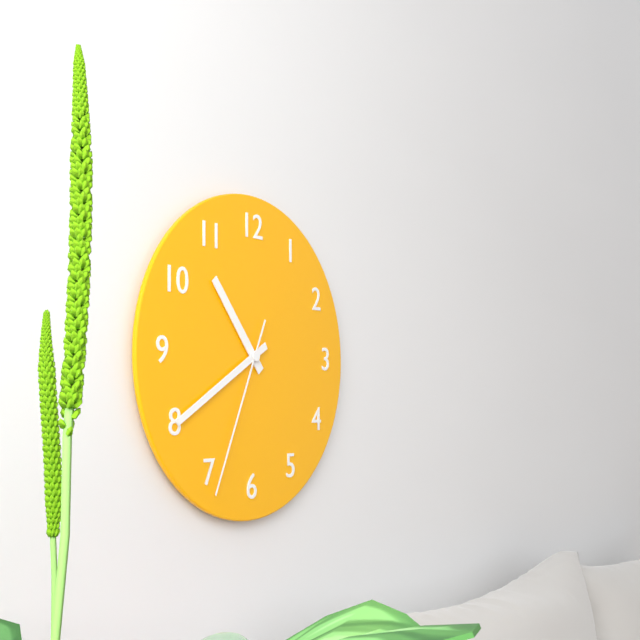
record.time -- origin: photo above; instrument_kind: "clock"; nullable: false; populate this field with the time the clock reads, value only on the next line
10:40:34
